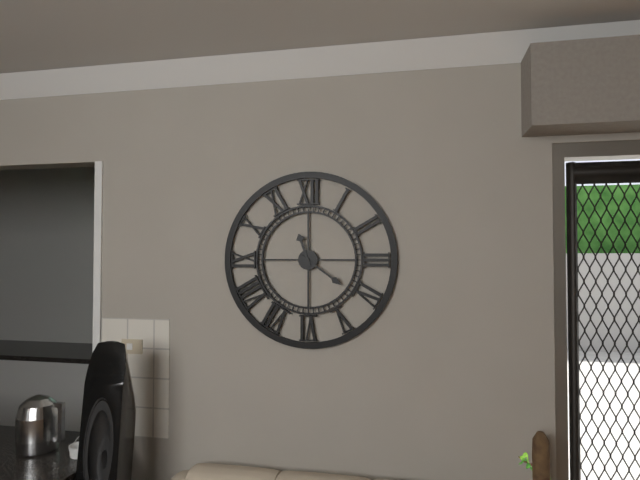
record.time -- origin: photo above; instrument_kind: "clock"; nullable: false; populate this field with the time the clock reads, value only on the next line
11:21
